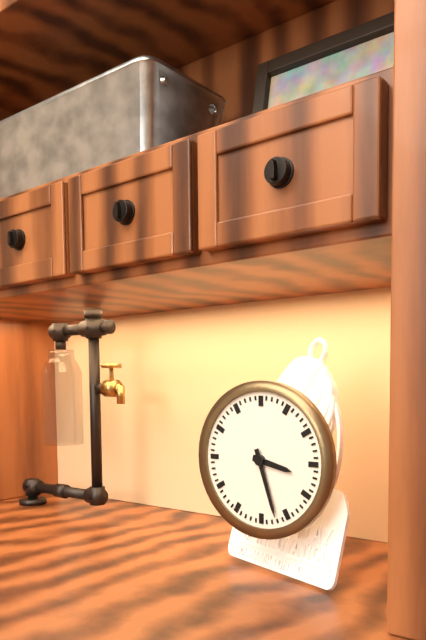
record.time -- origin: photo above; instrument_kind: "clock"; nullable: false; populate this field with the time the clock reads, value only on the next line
3:27
